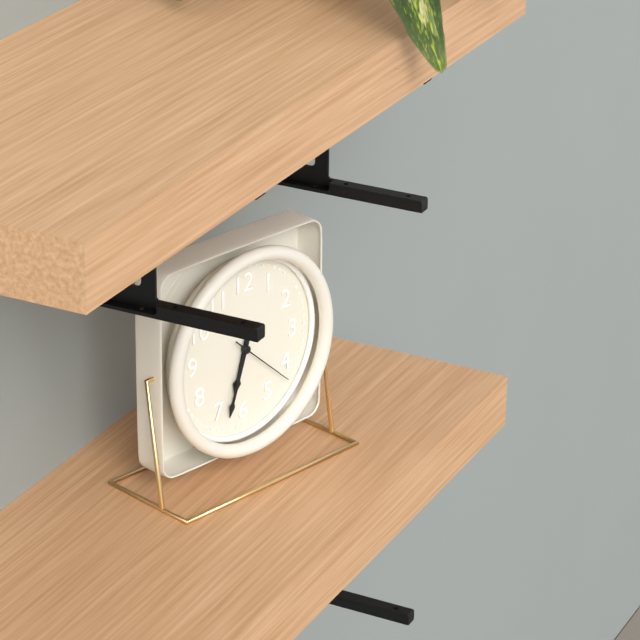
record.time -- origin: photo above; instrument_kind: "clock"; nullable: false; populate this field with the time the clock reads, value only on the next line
6:33:22
